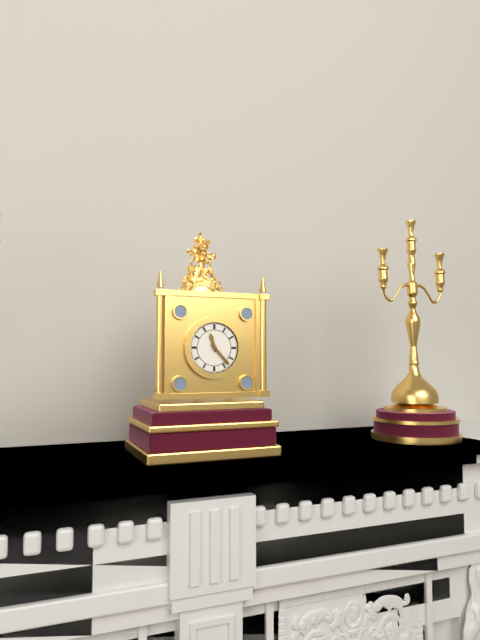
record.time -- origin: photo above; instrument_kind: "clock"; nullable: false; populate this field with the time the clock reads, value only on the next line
11:23
